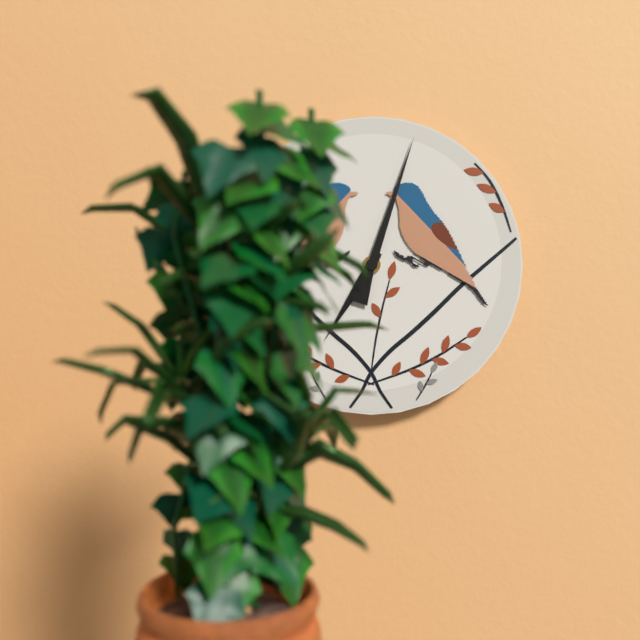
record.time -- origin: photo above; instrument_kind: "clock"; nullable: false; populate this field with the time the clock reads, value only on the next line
7:03
